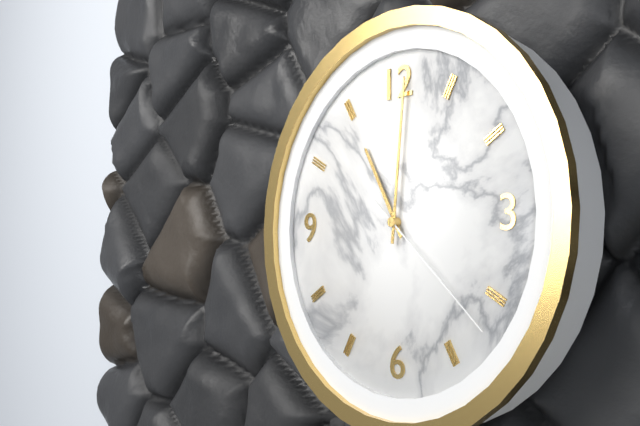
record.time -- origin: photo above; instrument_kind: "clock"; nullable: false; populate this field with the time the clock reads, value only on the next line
11:01:22
